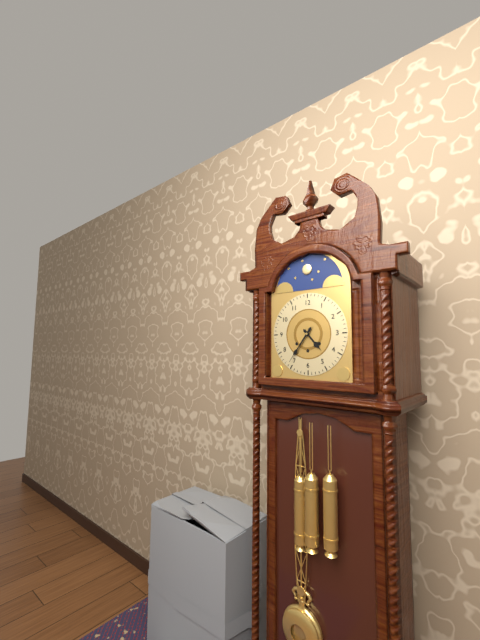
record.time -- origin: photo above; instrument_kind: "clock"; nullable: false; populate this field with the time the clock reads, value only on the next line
4:36
